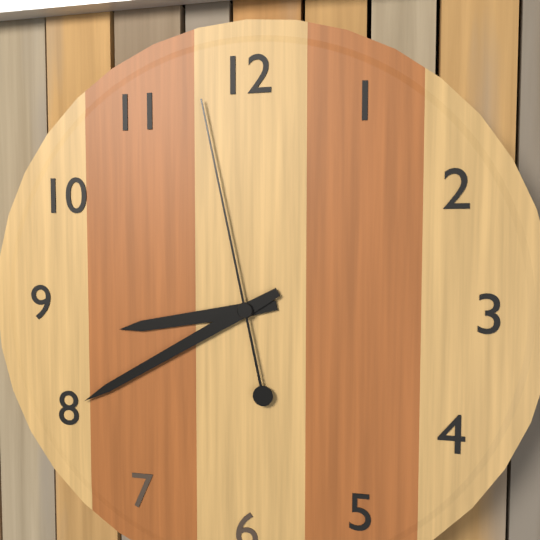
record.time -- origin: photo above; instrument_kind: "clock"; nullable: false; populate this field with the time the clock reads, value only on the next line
8:40:58
